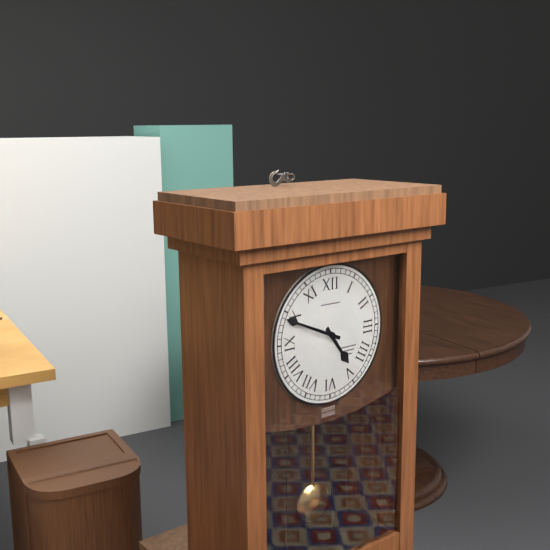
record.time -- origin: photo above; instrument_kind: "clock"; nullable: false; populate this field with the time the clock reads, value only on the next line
4:49
